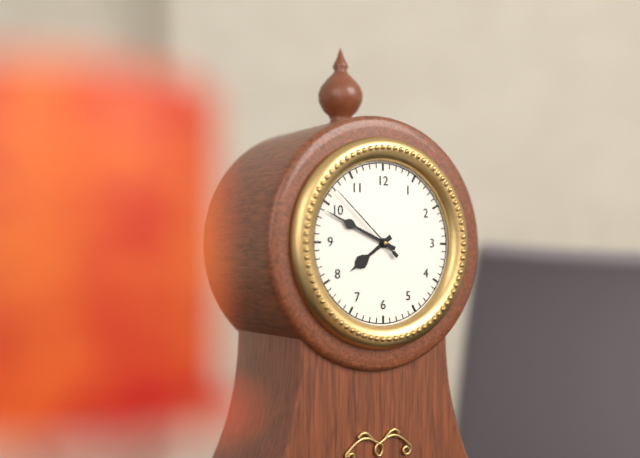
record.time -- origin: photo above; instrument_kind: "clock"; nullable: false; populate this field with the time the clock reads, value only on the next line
7:49:52
